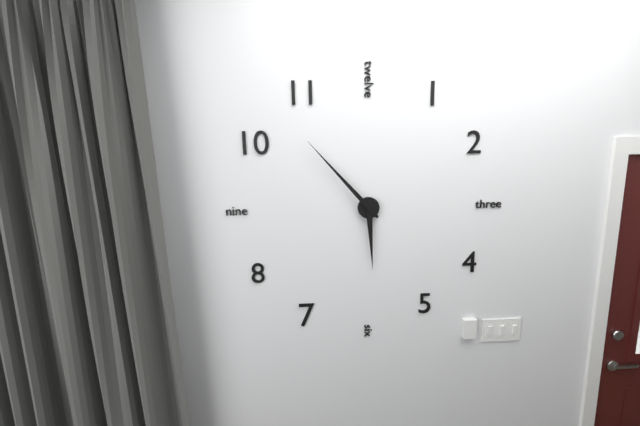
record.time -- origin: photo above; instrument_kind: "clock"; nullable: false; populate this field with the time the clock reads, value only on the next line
5:53
